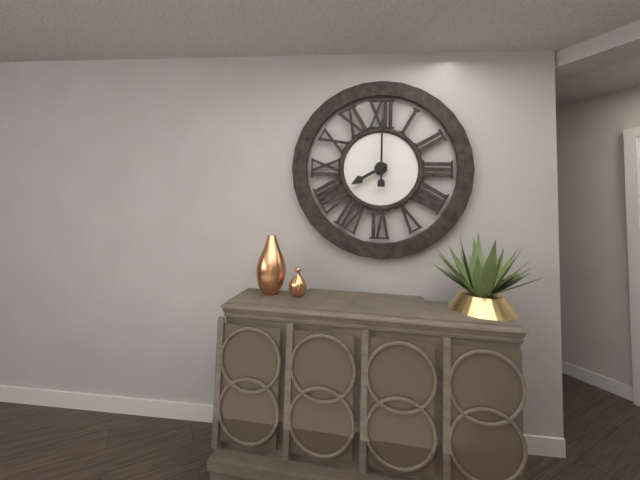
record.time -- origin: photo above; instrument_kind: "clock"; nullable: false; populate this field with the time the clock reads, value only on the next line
8:00
